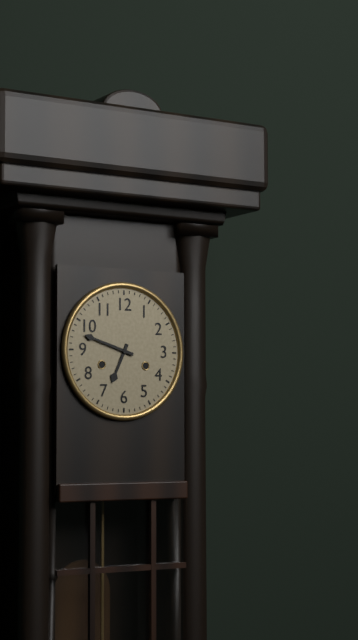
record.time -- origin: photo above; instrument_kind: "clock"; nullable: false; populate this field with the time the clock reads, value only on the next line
6:48
